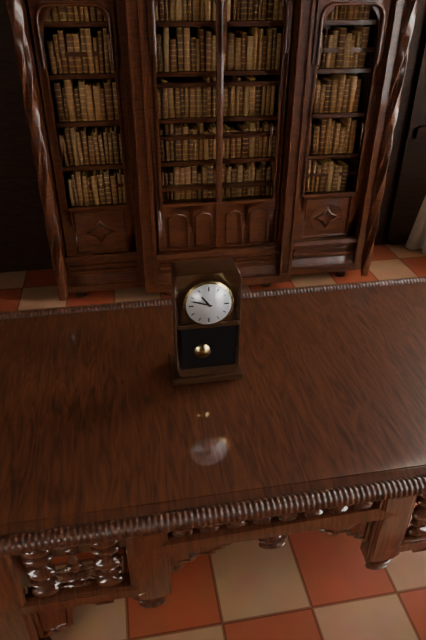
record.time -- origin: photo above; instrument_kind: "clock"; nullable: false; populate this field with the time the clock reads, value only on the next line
10:48
